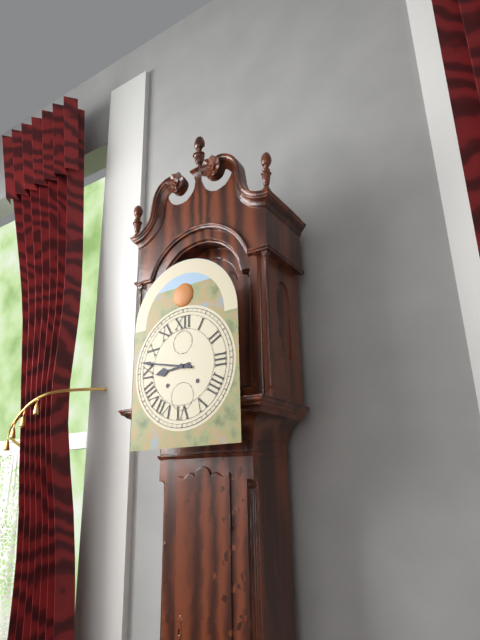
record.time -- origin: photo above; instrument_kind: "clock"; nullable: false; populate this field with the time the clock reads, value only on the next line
8:47
